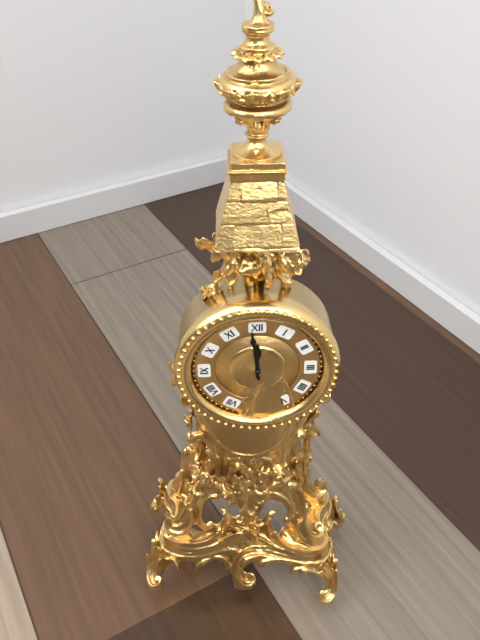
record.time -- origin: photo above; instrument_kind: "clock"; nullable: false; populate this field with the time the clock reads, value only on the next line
11:59
